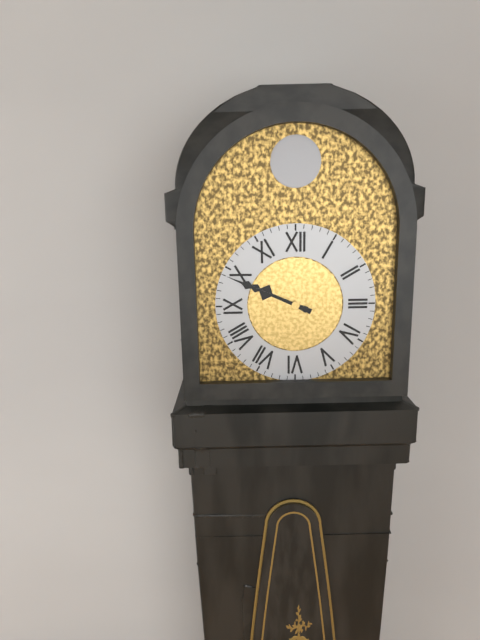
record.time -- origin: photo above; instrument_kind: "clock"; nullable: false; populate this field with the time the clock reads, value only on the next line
9:49
